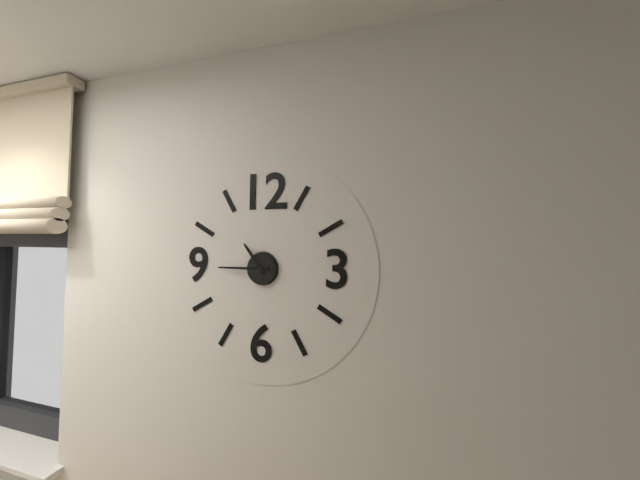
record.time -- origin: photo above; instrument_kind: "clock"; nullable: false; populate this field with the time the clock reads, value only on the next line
10:45
